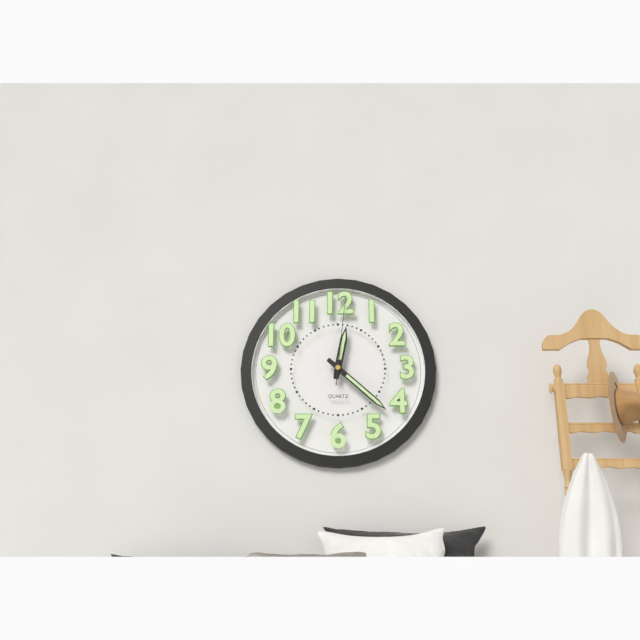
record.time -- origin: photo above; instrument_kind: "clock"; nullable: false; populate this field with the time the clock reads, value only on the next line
12:22:01
